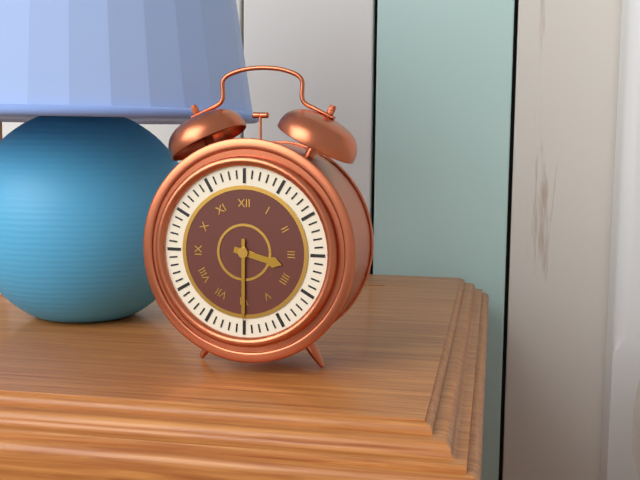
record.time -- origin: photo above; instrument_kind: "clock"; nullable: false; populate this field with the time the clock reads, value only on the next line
3:30
